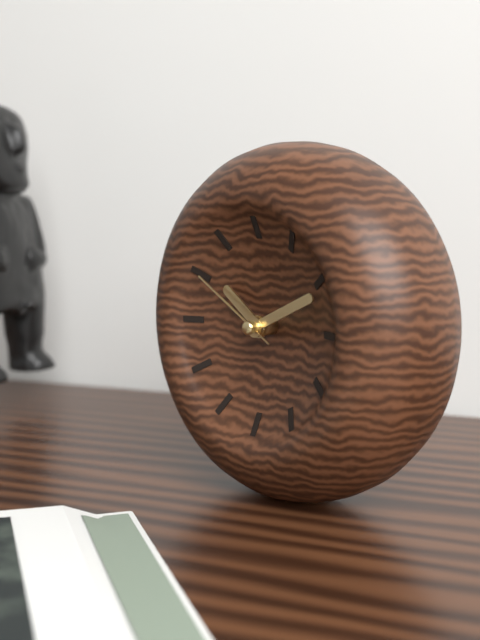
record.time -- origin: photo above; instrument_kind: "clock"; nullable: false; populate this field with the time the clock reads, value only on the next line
10:11:50
